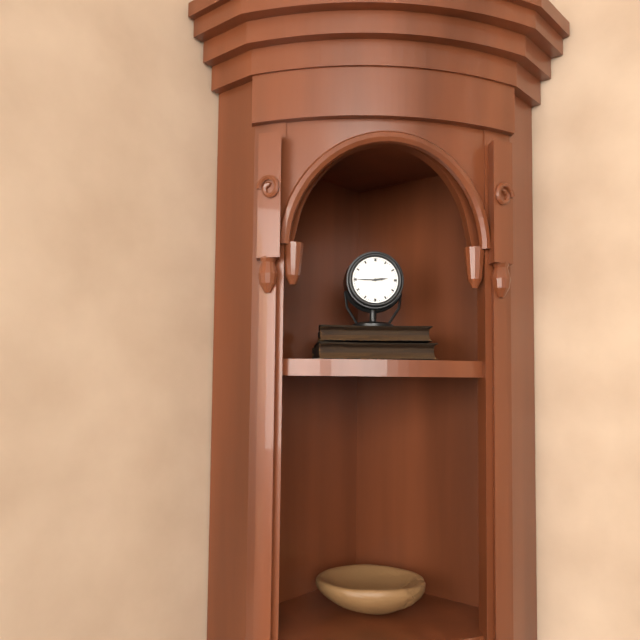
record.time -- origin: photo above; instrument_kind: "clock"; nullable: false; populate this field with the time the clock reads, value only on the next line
2:45
